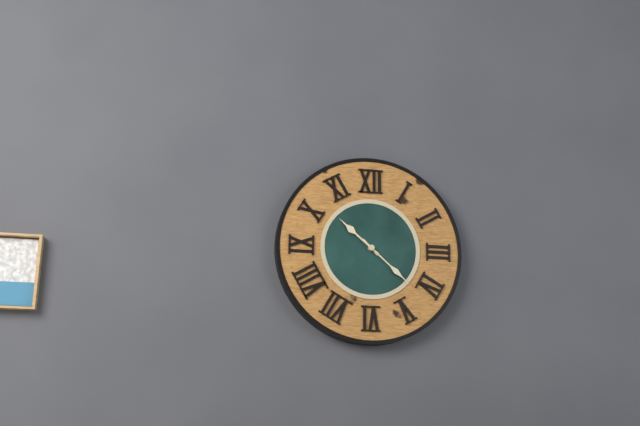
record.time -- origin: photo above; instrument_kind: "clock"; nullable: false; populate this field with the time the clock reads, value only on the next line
10:22
